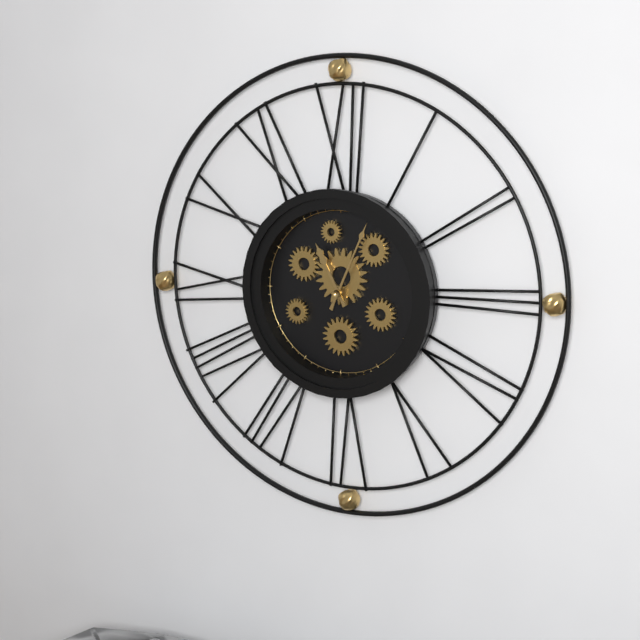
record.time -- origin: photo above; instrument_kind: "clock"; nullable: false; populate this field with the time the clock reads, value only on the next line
11:04
